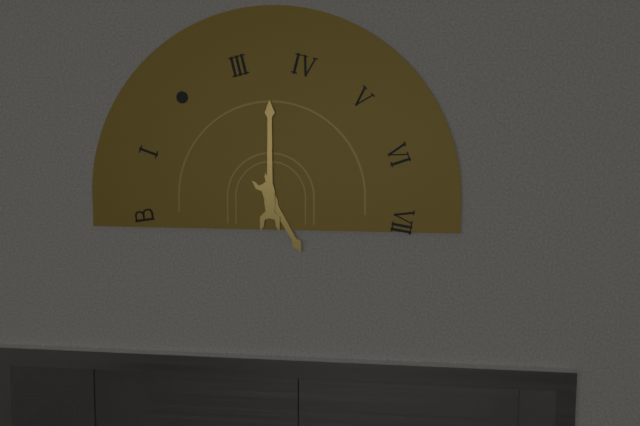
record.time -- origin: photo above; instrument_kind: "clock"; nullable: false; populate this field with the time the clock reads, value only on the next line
5:00
